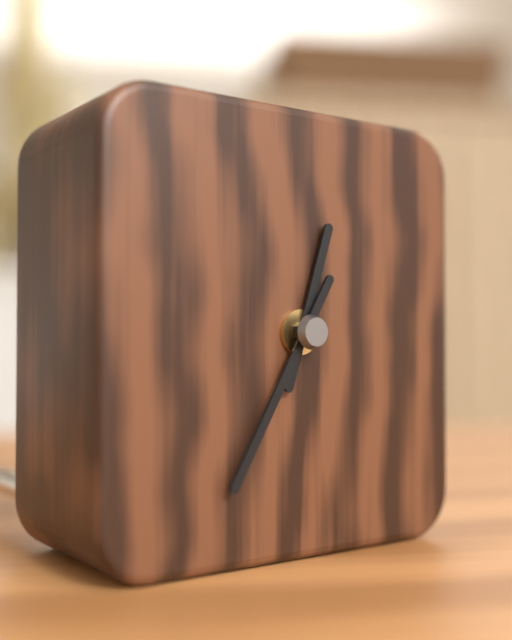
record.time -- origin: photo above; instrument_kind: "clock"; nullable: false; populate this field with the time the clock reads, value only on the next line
12:35
